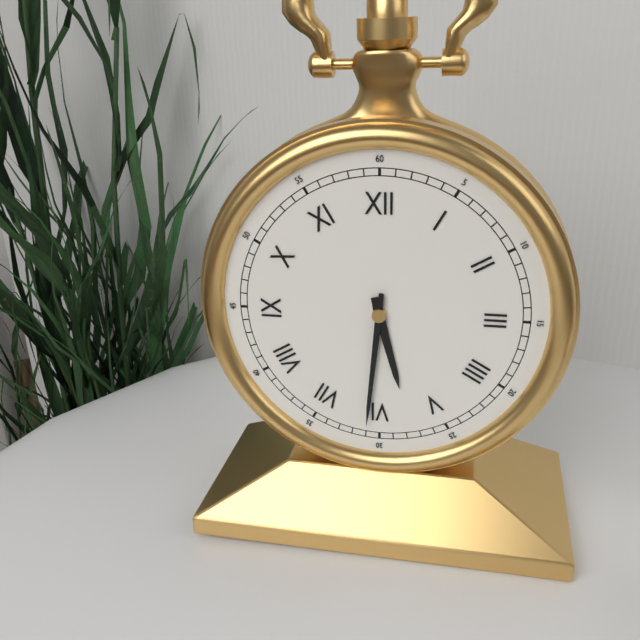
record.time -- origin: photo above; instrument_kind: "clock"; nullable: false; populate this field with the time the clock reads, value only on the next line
5:31
